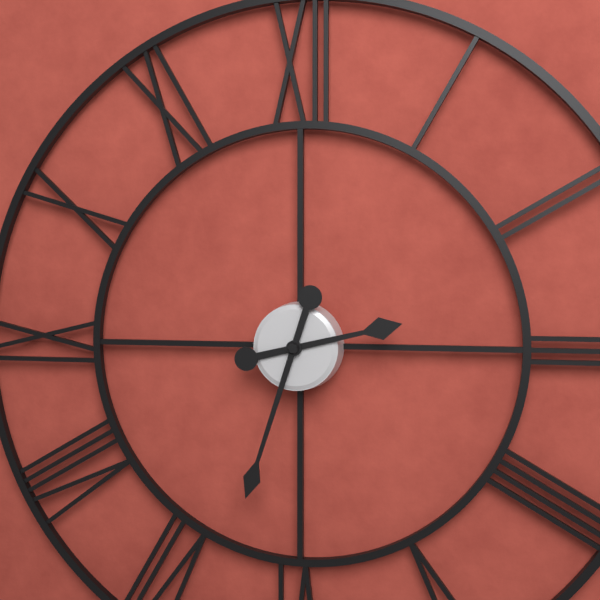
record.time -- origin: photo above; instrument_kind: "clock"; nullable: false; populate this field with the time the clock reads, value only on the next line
2:33
